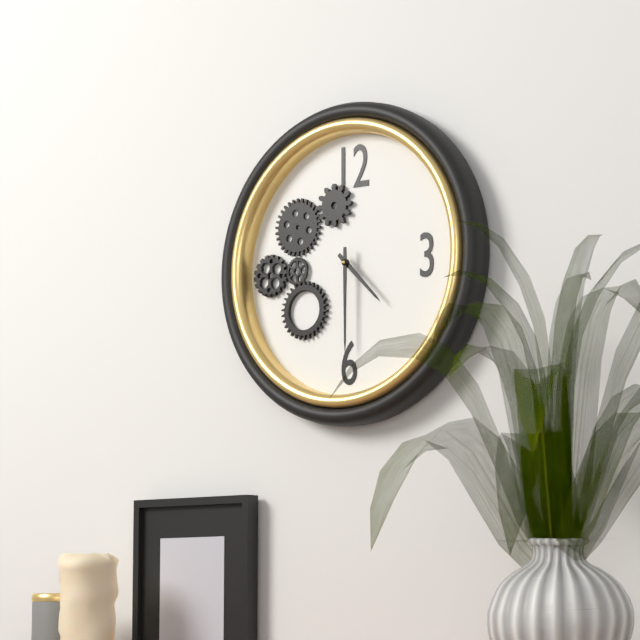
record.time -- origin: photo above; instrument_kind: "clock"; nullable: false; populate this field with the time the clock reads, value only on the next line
4:30
